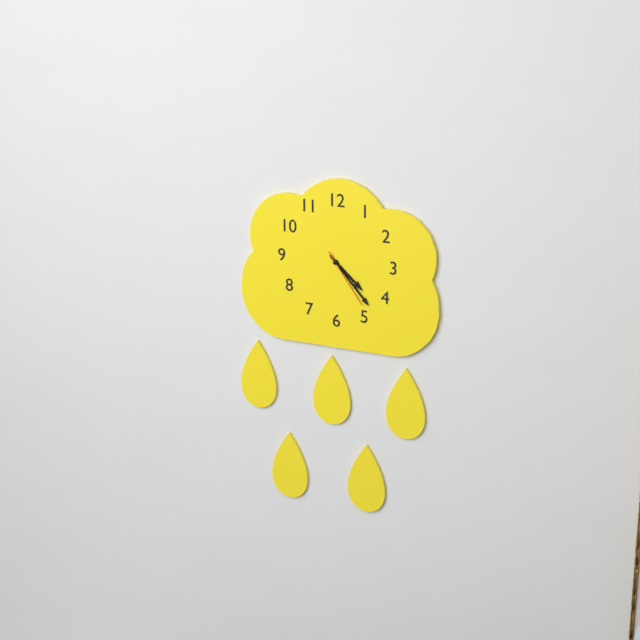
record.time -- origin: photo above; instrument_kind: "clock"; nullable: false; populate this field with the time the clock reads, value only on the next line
4:23:24
